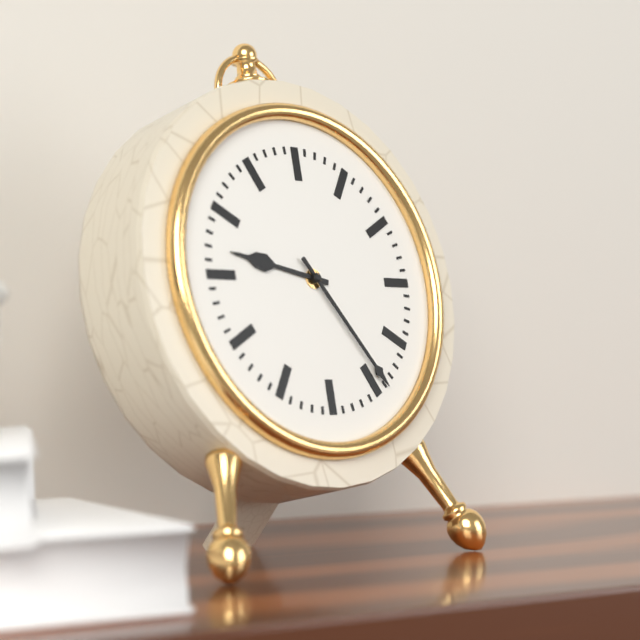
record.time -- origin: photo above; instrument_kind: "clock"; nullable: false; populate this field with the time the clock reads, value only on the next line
9:24
